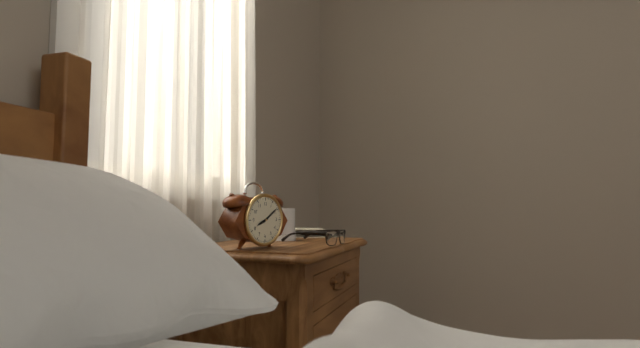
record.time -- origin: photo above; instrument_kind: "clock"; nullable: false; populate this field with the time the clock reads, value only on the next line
8:09
